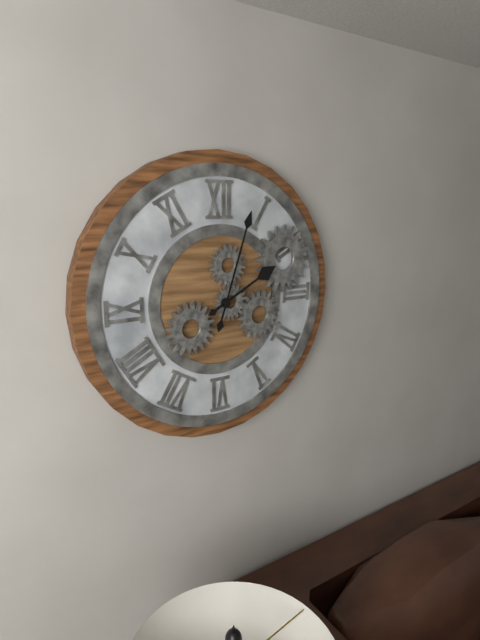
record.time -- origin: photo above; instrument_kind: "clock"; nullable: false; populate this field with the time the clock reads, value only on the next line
2:03
